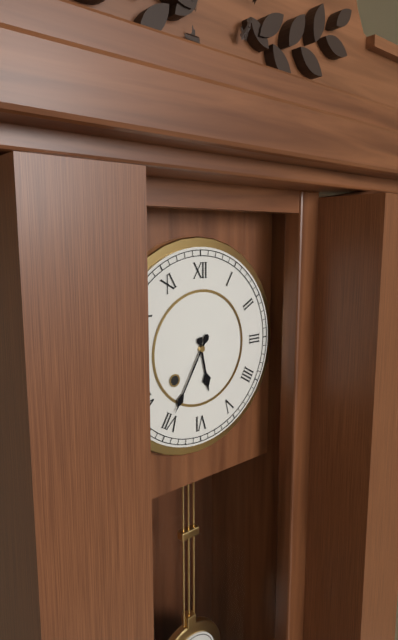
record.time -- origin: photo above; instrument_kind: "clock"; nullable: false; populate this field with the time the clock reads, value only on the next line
5:35
